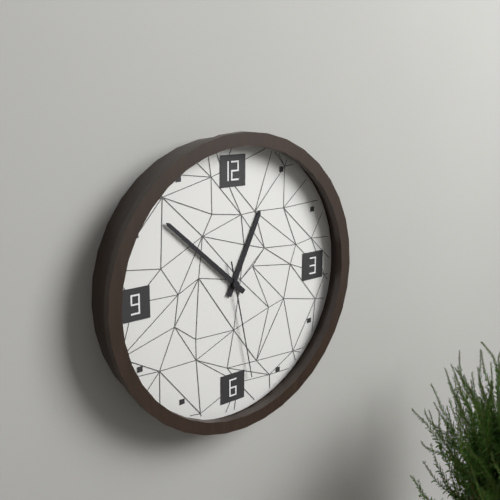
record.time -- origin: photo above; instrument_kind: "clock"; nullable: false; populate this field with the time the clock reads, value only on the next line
12:52:28
